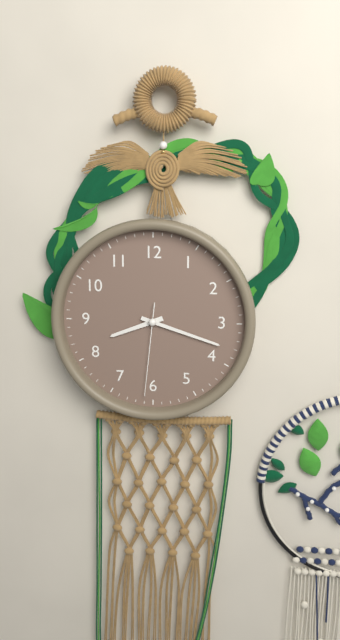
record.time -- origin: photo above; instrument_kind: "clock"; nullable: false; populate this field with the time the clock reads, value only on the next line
8:18:31
